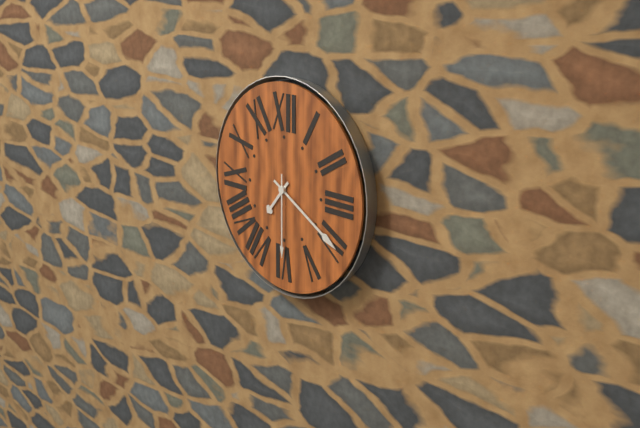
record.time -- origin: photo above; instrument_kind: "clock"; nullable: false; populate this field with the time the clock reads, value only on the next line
7:20:30
